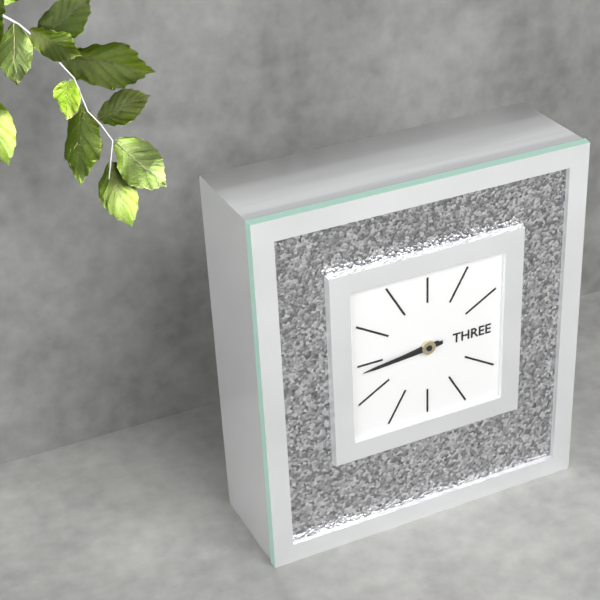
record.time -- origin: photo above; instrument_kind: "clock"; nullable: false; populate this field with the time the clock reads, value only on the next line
8:44
